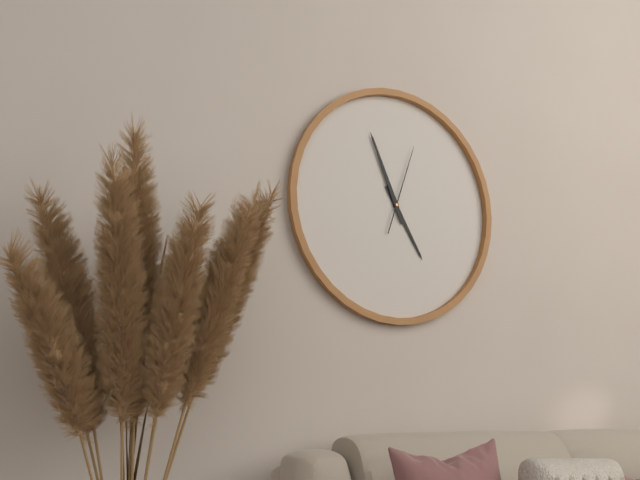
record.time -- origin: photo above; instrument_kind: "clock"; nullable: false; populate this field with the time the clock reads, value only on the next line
4:56:03
